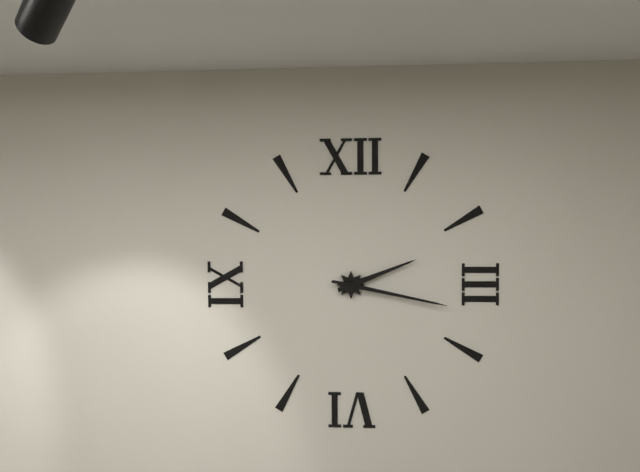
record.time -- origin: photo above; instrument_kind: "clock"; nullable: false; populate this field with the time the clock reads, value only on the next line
2:17
